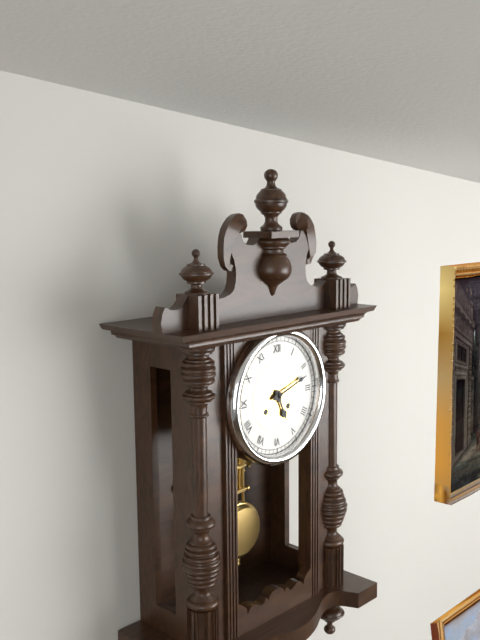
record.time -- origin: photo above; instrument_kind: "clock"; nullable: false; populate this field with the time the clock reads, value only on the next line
5:12
